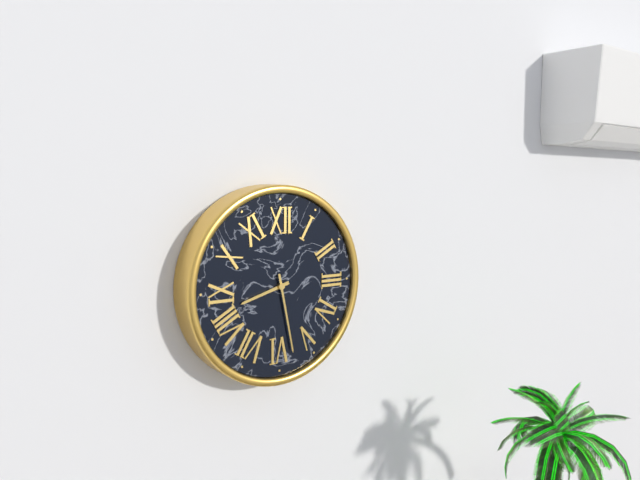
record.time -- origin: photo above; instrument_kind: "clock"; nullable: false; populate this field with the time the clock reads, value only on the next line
8:28
